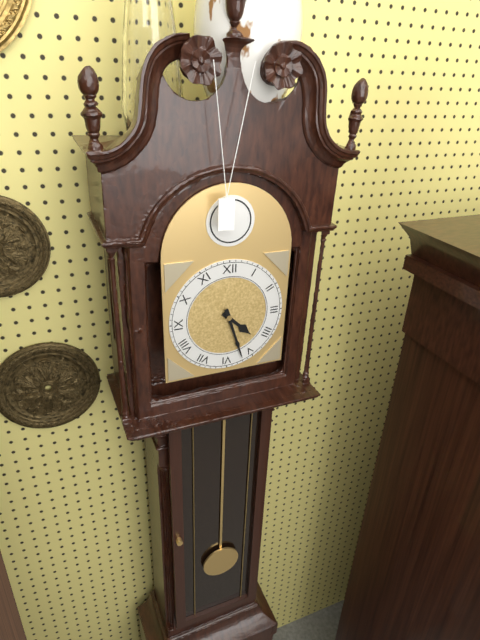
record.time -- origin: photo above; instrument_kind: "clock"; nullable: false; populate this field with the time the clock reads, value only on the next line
4:27
